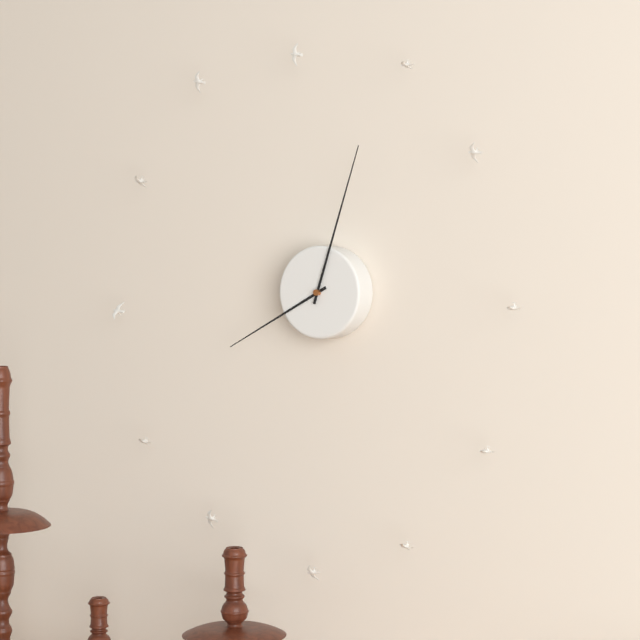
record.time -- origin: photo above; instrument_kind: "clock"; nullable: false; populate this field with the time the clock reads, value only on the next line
8:03
